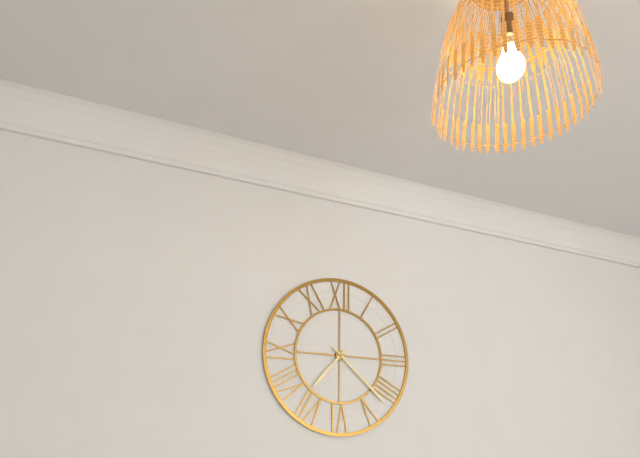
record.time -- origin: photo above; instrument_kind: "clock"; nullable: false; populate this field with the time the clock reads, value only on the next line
7:22
